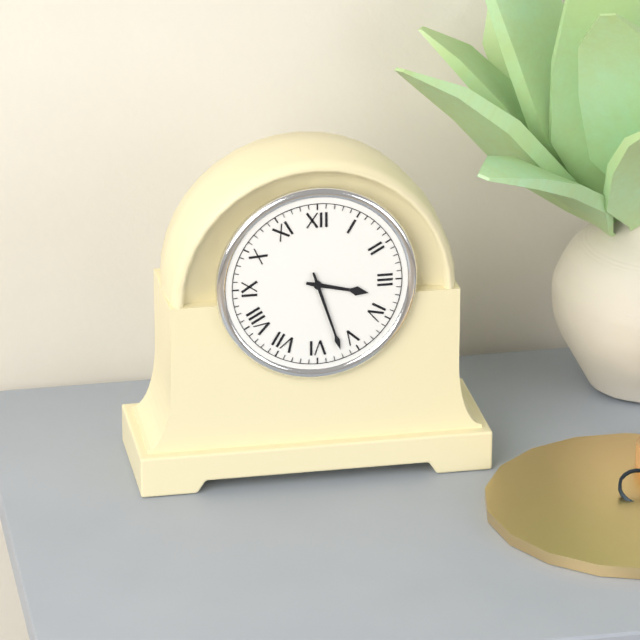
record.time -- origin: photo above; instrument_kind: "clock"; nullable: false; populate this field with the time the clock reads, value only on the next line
3:27
